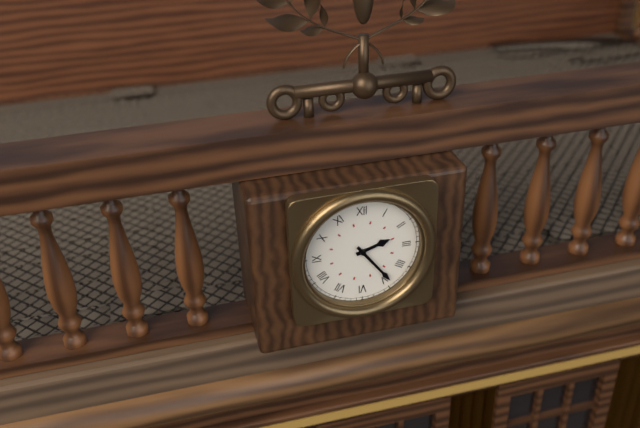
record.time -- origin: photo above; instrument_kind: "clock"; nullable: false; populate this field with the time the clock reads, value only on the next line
2:24
